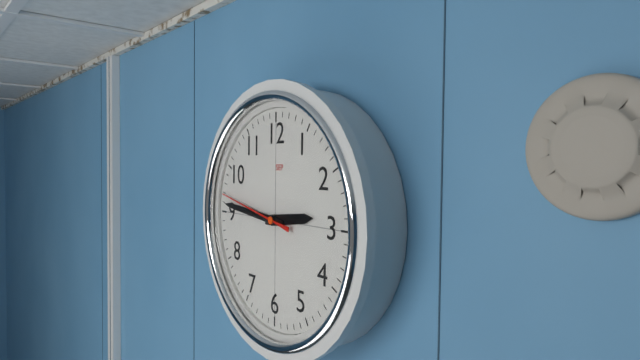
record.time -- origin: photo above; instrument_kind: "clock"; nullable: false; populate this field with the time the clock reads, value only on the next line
2:46:47
